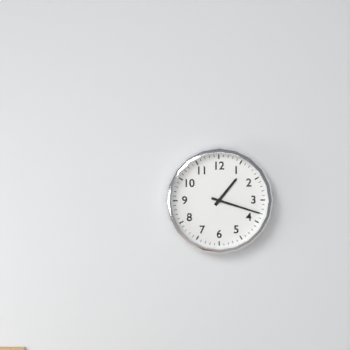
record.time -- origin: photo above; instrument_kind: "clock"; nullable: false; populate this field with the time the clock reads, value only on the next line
1:18
